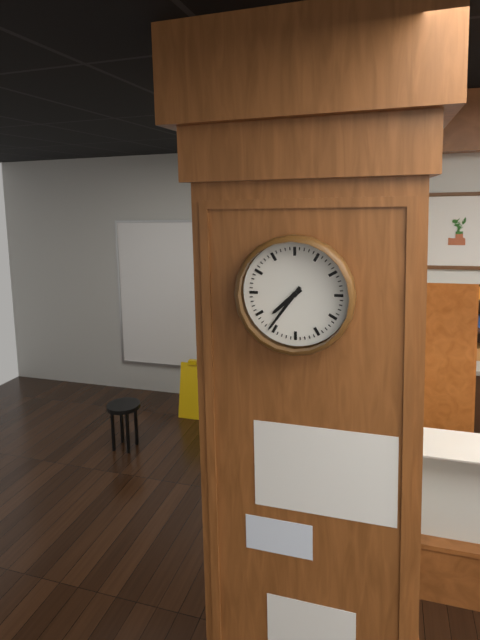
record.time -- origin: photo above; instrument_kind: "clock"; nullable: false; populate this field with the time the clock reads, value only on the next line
7:36
